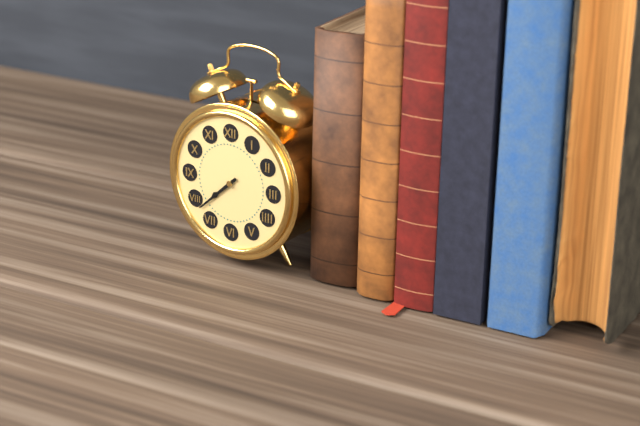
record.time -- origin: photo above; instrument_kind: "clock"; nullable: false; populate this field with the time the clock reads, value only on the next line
7:38
